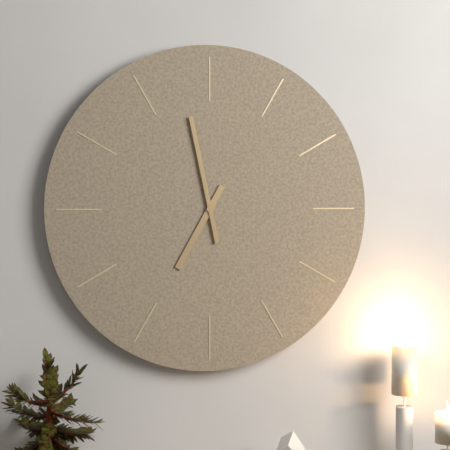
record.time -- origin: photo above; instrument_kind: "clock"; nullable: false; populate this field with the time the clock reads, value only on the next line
6:58
